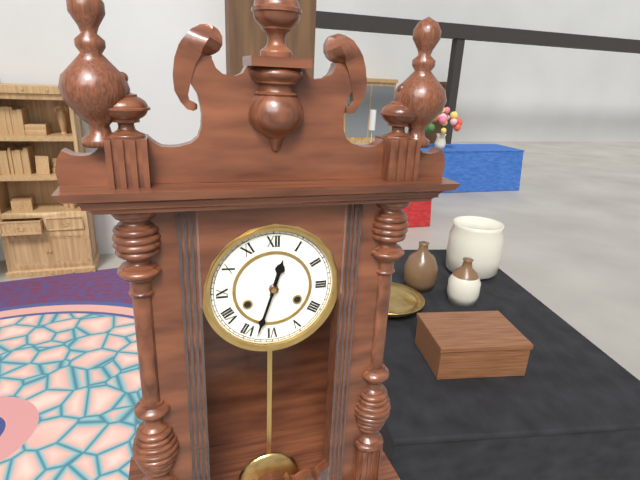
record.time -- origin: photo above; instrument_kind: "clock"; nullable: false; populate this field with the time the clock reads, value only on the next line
12:33
